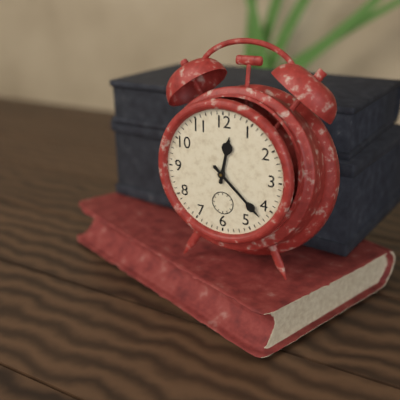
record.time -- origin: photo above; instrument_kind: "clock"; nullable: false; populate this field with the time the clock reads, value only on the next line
12:22
